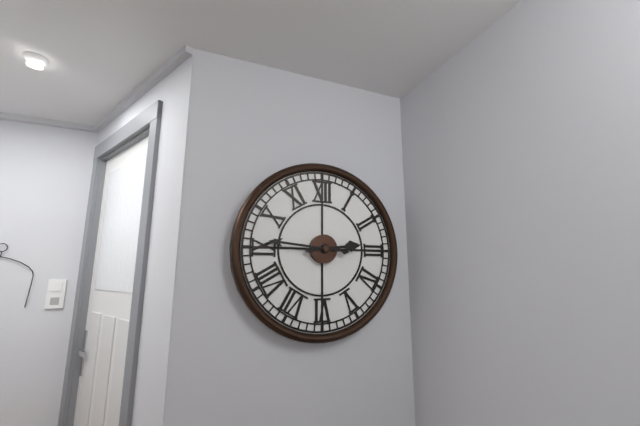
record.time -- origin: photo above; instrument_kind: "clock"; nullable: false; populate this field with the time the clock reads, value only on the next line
2:46
